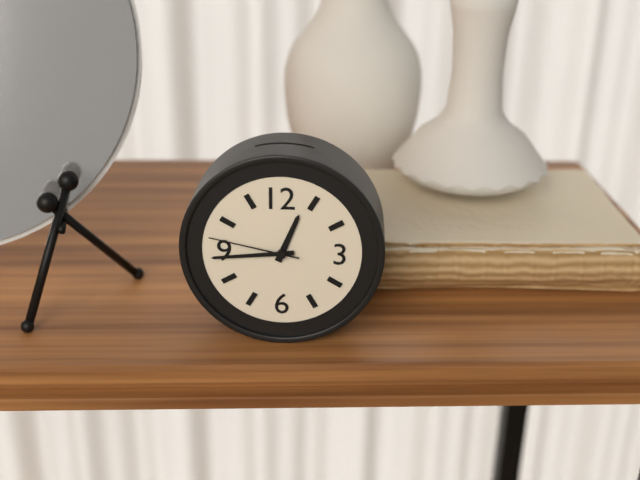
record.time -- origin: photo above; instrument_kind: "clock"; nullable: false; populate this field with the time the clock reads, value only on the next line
12:44:47
